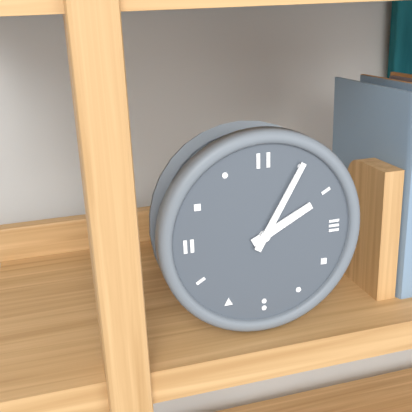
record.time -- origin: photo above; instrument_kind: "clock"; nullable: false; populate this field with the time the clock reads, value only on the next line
2:05
